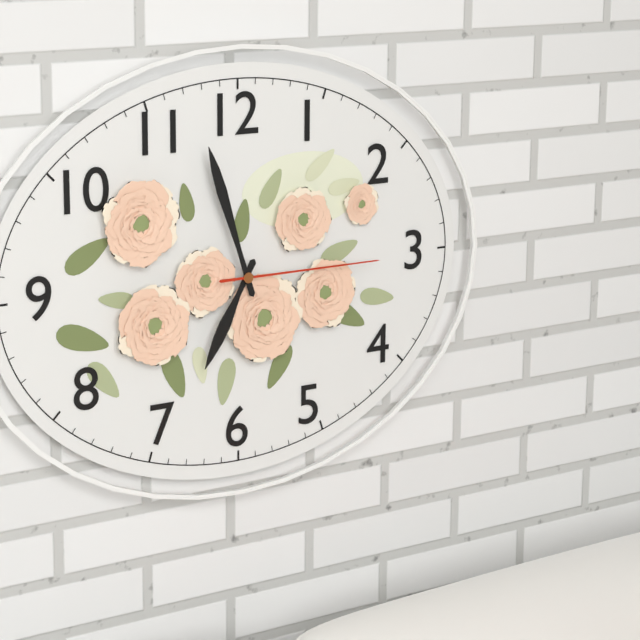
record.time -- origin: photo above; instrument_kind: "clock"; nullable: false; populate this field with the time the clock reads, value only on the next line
6:57:15
